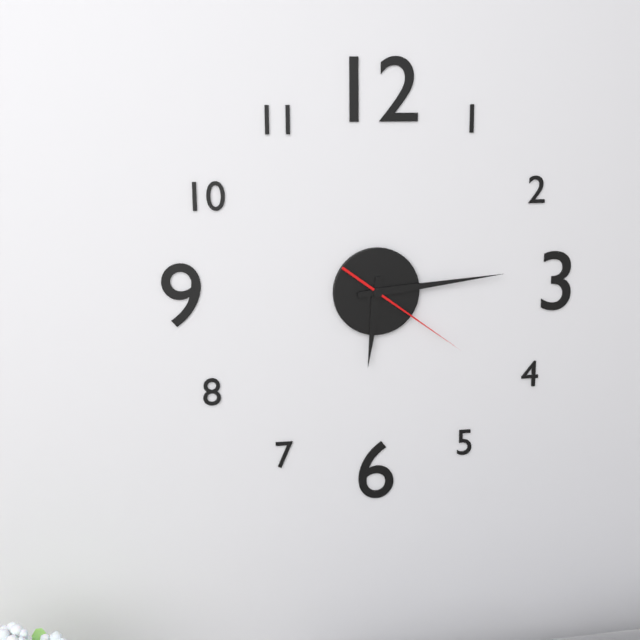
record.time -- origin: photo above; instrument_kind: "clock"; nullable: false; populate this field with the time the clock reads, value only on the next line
6:14:21
